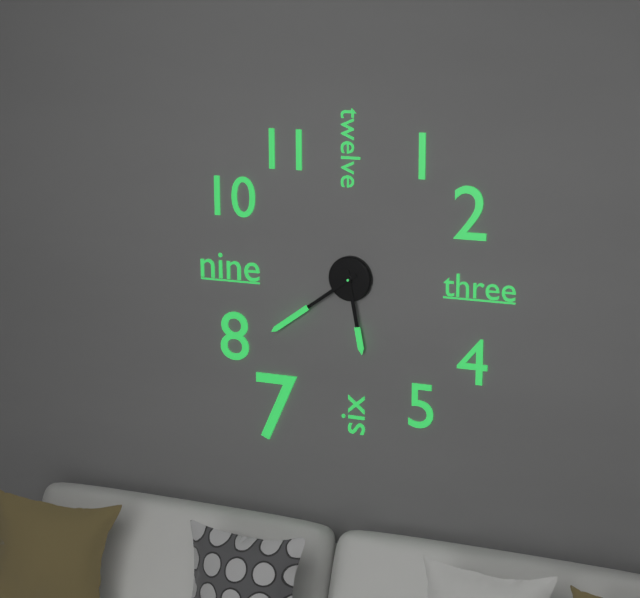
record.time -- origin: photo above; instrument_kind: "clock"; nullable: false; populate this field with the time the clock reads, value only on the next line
5:39
